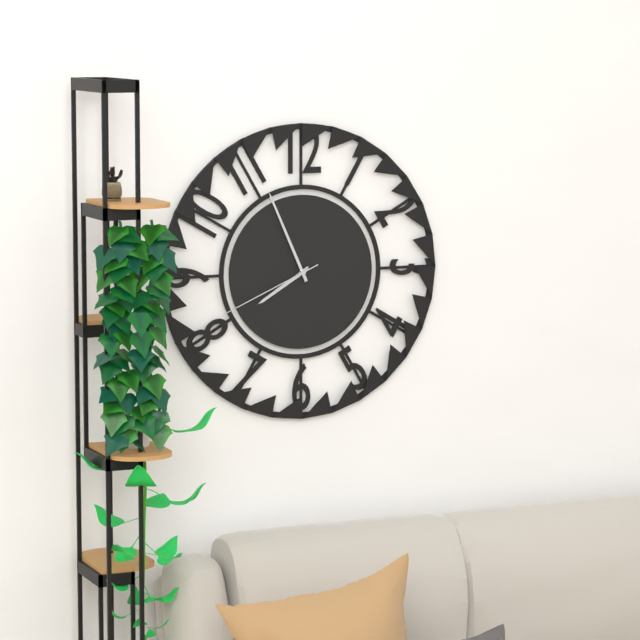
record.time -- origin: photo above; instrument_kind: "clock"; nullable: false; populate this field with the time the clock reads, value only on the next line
7:56:41
